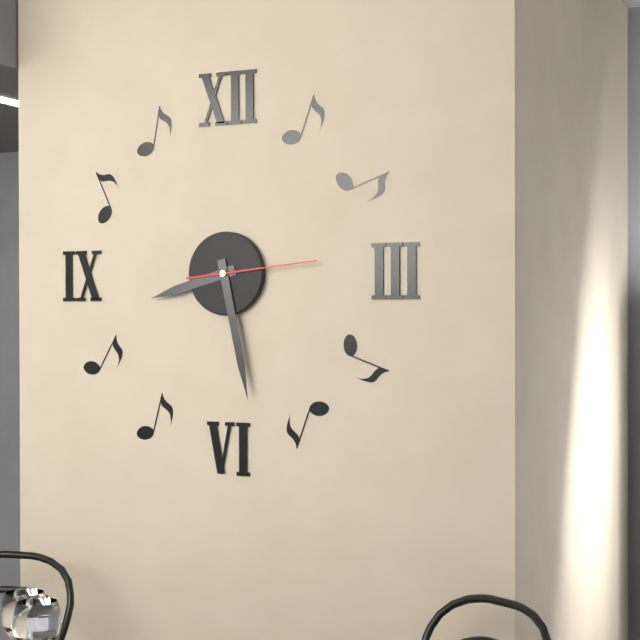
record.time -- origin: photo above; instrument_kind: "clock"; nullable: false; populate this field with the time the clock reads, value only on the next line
8:28:14
